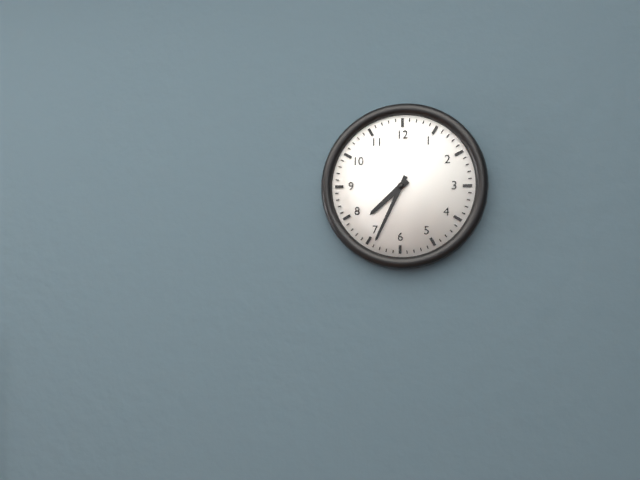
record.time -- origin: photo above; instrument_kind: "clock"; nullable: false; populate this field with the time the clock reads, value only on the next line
7:34
